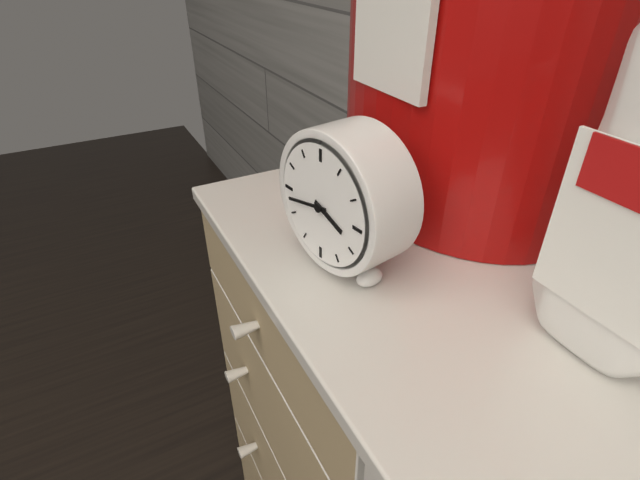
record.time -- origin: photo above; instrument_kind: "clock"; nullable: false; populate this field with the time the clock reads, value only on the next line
3:43
